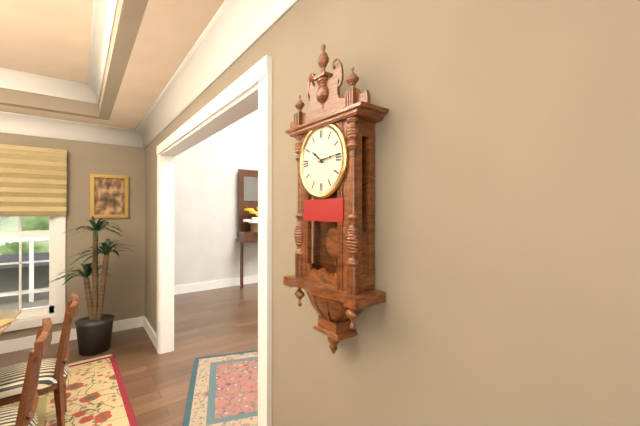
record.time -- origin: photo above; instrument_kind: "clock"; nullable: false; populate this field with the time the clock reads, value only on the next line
10:14
